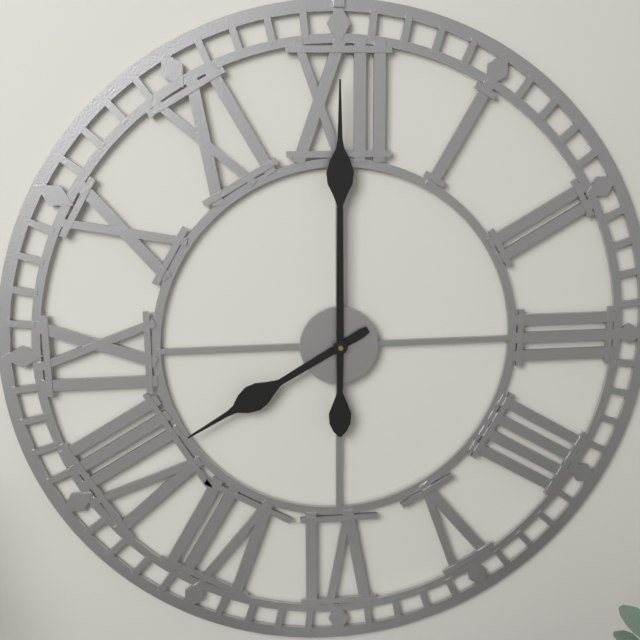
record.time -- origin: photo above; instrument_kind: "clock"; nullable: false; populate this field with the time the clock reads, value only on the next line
8:00
